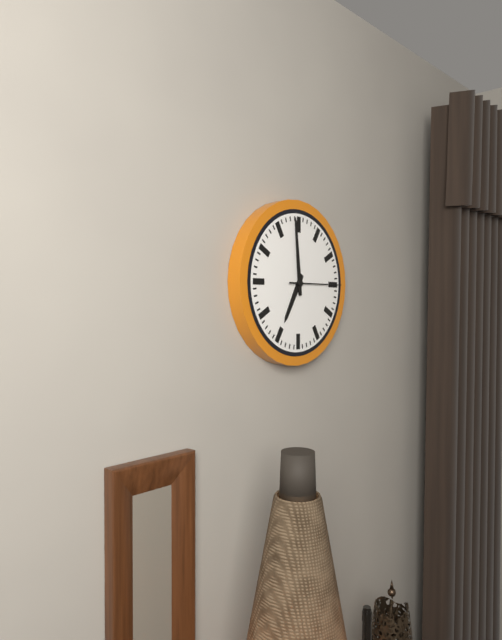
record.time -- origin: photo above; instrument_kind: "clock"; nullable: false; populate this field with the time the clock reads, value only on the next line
6:59:15
